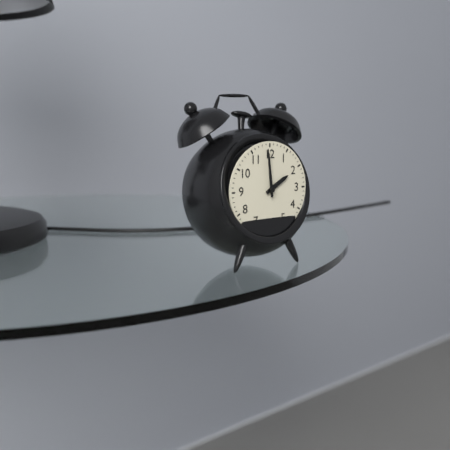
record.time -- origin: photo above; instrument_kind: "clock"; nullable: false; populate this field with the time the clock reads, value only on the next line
1:59
